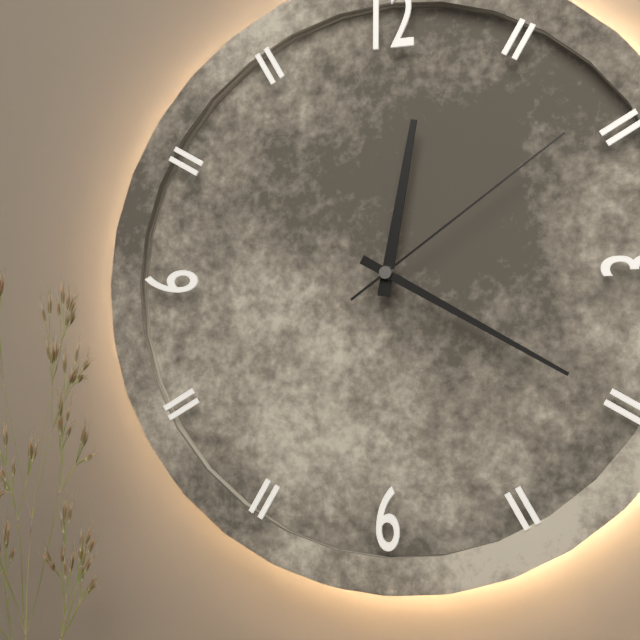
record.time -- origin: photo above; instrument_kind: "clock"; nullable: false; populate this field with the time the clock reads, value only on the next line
12:20:09
